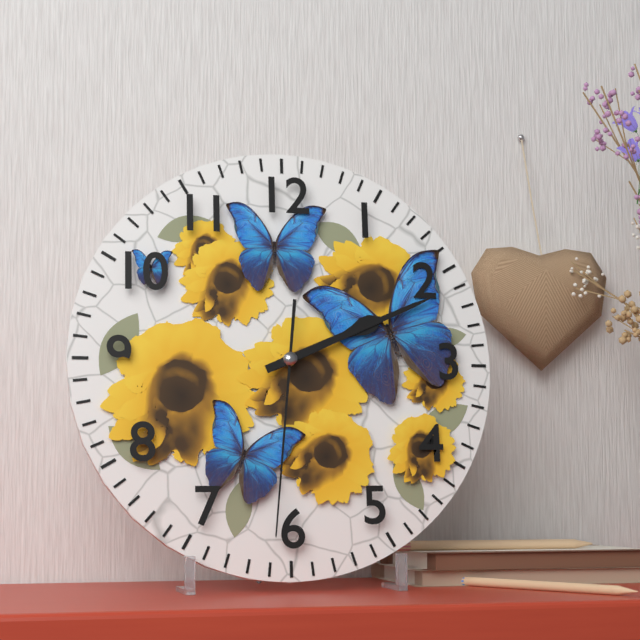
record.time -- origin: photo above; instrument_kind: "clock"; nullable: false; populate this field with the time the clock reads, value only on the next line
2:11:31
